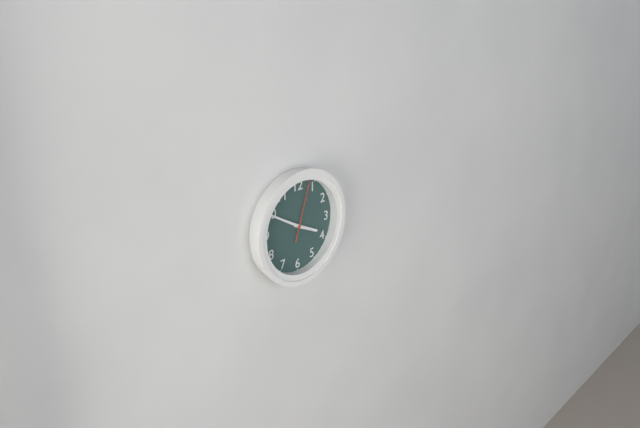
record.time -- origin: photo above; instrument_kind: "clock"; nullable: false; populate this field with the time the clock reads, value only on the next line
3:50:03
